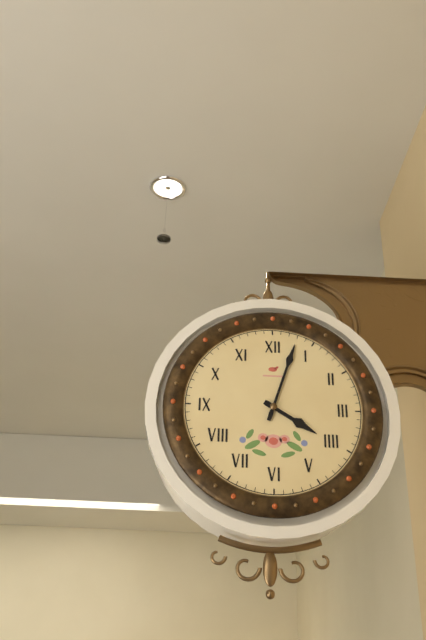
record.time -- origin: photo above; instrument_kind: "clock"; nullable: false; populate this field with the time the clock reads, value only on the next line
4:03
